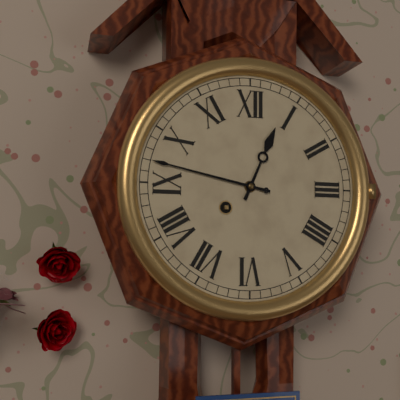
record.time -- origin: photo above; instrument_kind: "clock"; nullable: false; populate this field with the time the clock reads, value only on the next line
12:47
